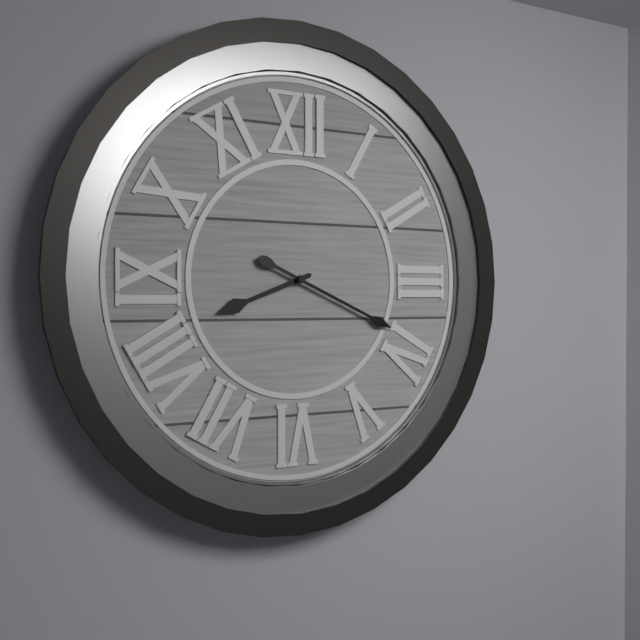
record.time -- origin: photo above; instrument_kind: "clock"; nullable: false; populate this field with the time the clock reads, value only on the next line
8:19
